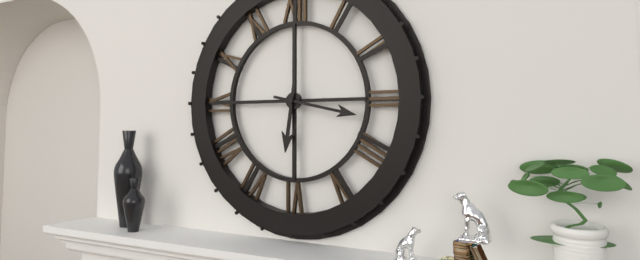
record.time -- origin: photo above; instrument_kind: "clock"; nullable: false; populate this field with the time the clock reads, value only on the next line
6:17
